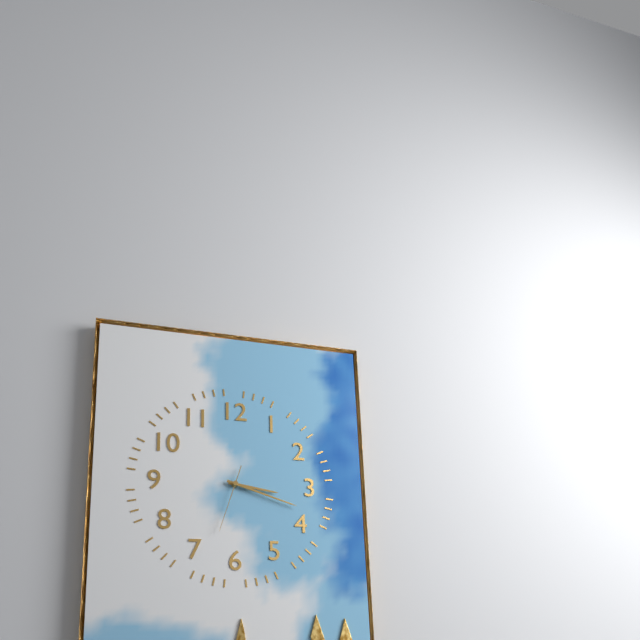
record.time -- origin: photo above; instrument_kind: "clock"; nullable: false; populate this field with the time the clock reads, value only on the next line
3:18:33
